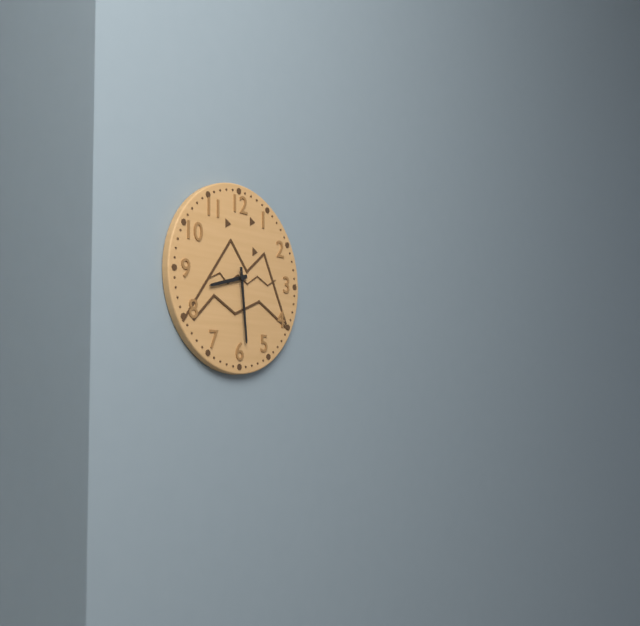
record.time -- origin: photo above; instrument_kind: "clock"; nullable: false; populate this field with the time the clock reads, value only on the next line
8:29
